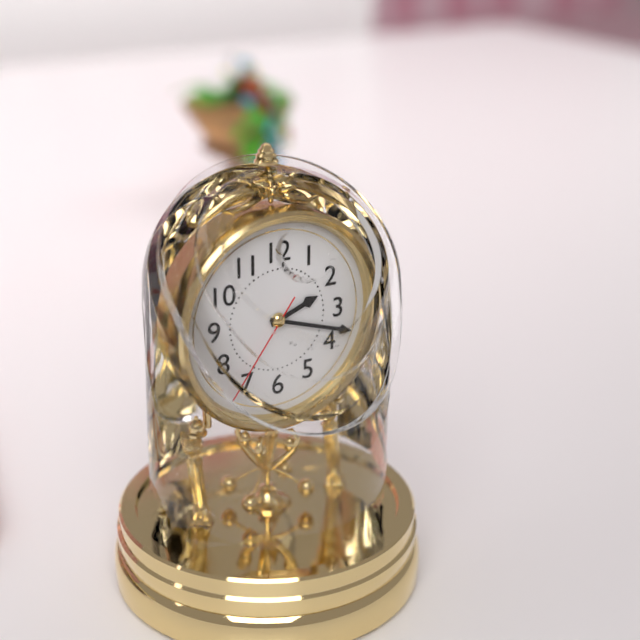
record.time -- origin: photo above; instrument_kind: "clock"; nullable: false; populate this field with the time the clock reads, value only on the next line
2:18:36
